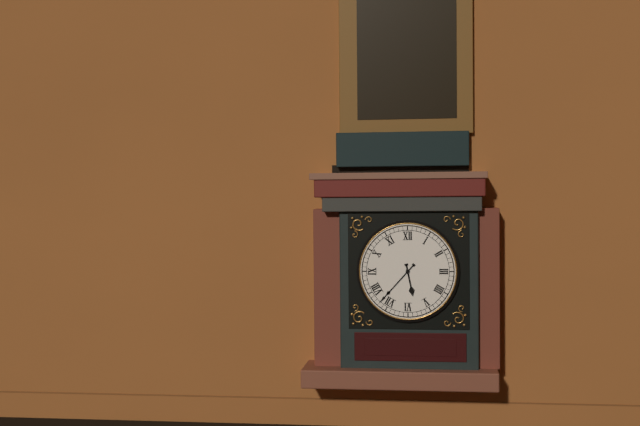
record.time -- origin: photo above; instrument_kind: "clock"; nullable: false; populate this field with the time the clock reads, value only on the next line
5:37
